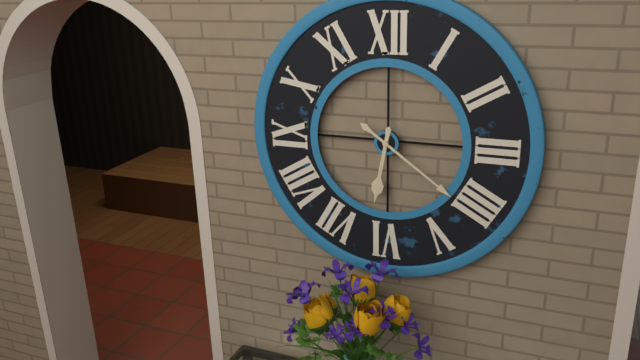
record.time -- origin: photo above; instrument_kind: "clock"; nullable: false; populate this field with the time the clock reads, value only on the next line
6:21
